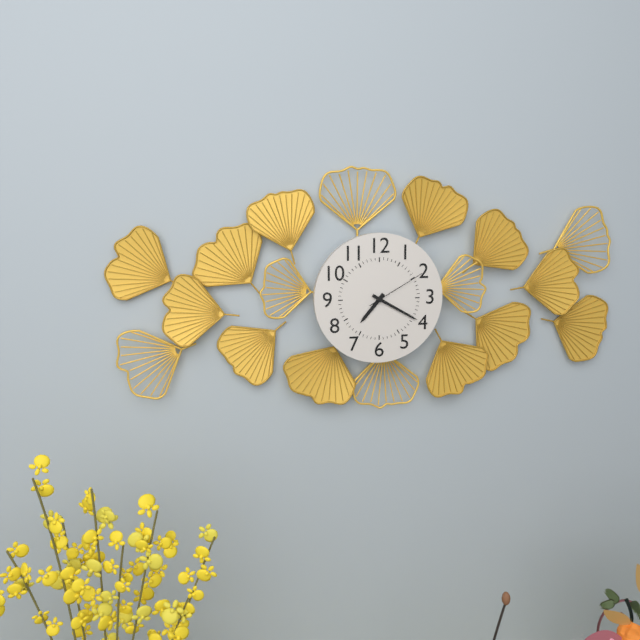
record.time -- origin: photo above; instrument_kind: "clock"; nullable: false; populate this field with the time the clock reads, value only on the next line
7:20:10
